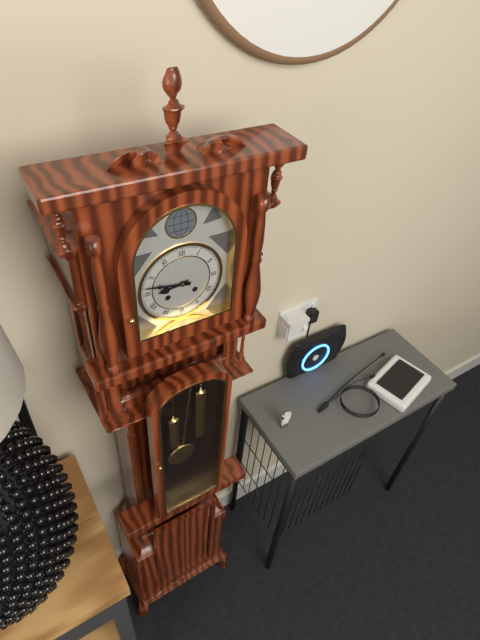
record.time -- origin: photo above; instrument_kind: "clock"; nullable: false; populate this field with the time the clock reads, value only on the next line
8:47
